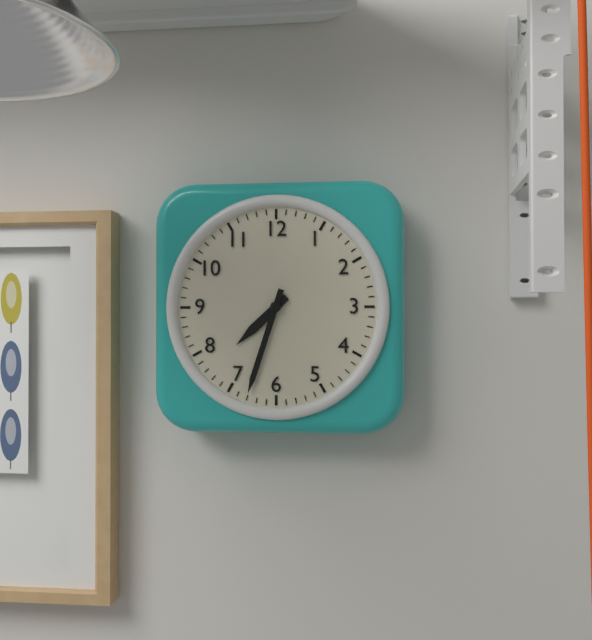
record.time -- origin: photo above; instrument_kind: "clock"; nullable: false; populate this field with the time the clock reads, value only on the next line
7:33
